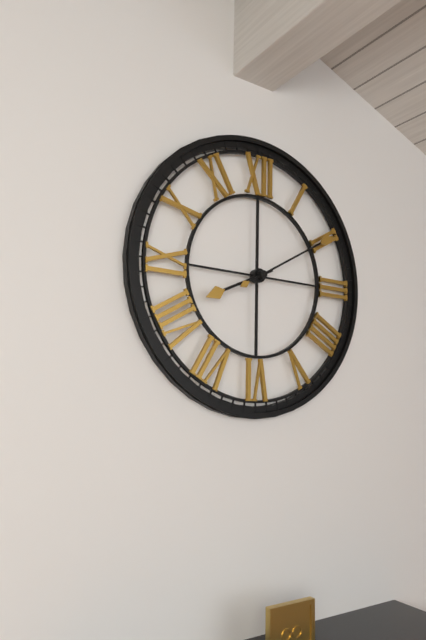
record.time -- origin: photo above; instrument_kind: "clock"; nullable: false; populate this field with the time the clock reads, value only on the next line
8:10
